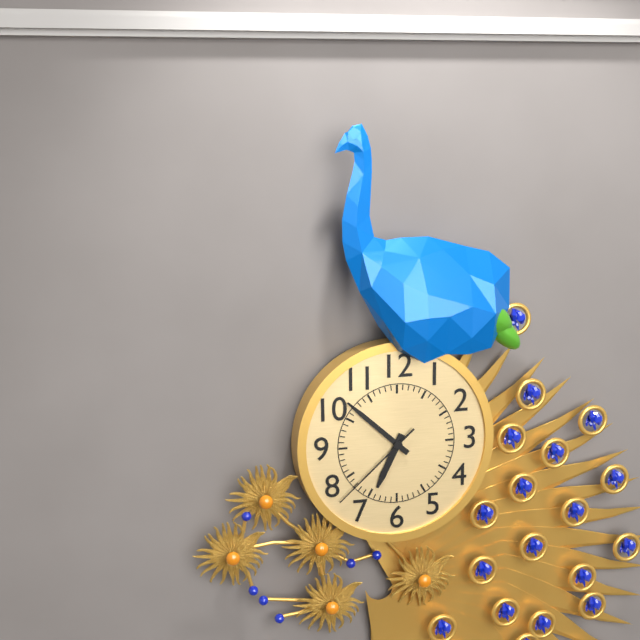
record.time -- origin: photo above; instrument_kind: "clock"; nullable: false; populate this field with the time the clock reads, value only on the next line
6:52:38
